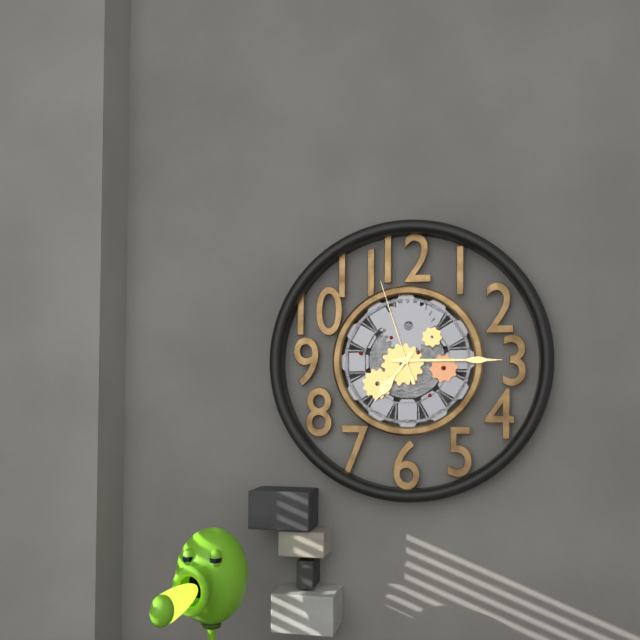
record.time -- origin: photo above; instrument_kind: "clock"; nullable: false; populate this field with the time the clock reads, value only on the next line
7:15:57
